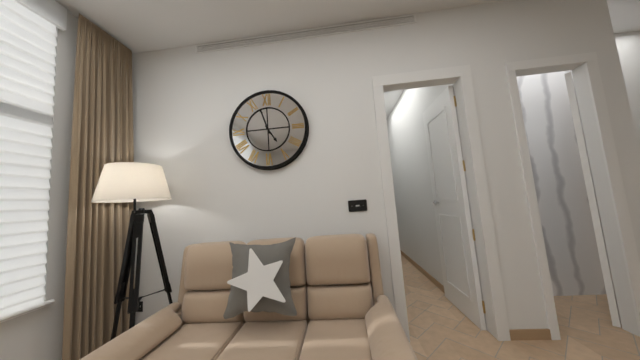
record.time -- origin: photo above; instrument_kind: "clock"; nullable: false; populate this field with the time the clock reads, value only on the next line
4:57
